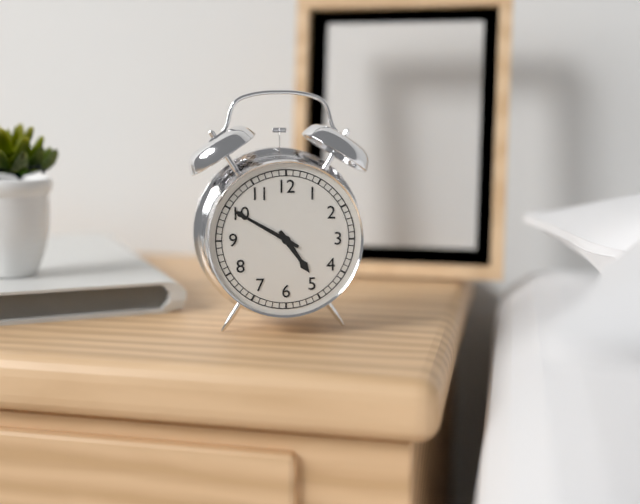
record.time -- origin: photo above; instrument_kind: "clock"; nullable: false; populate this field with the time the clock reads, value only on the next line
4:50
